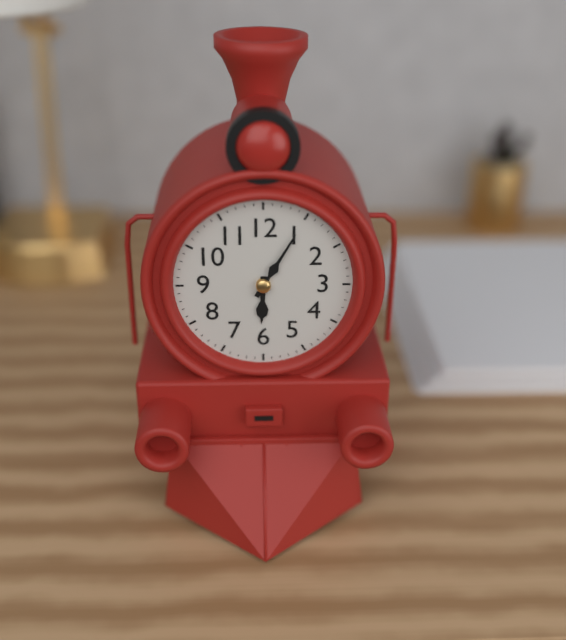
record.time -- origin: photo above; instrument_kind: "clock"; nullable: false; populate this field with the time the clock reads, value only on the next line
6:05
